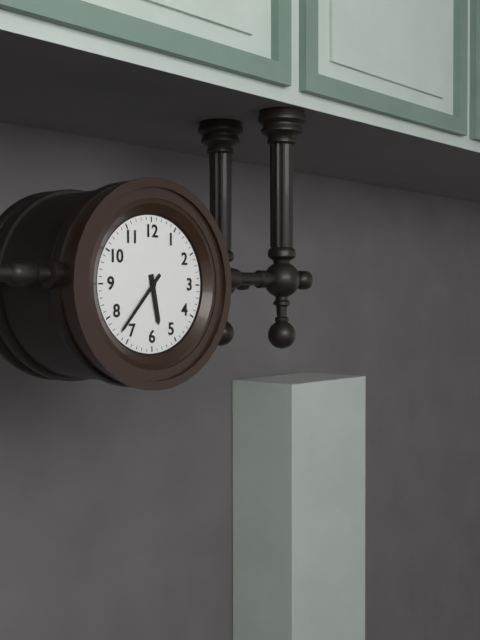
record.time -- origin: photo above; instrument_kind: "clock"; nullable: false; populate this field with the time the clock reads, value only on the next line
5:37
